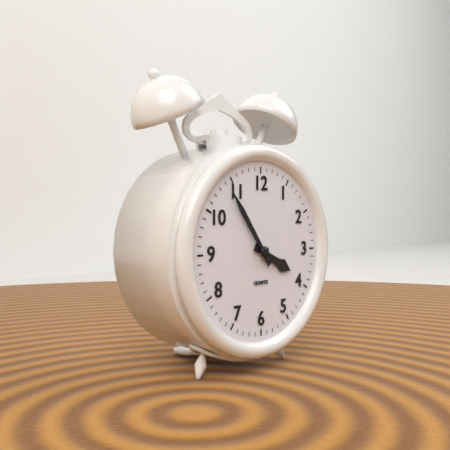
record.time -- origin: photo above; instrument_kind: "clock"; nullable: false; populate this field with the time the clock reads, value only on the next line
3:54
